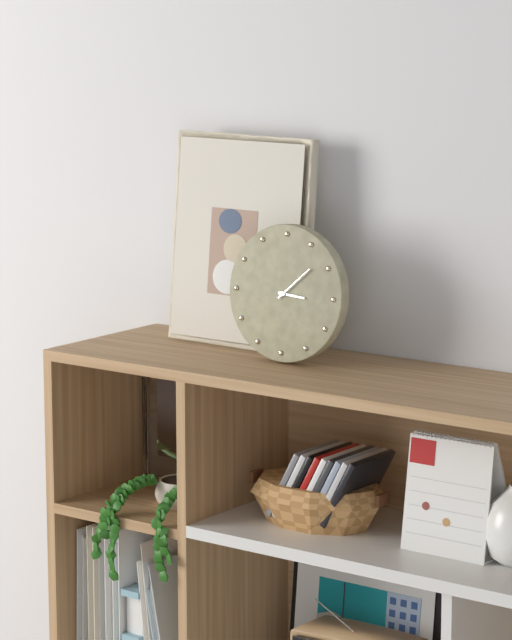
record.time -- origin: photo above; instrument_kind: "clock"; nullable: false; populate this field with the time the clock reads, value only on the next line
3:08
